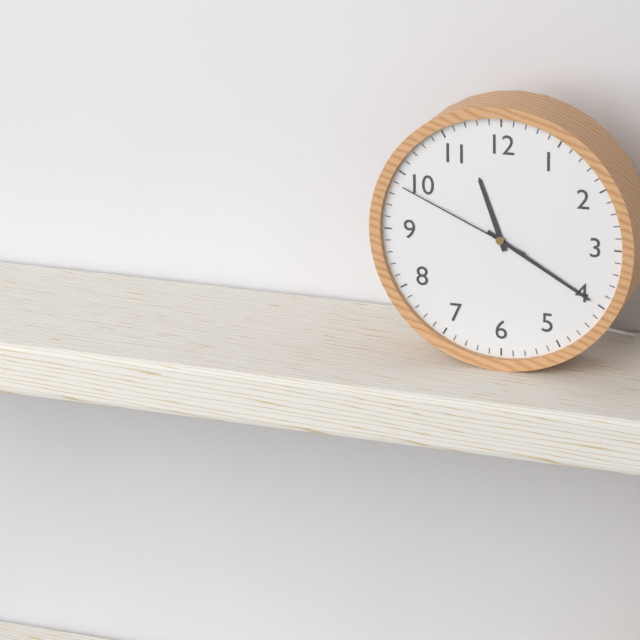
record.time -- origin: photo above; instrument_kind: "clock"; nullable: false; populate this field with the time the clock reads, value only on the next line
11:20:49
